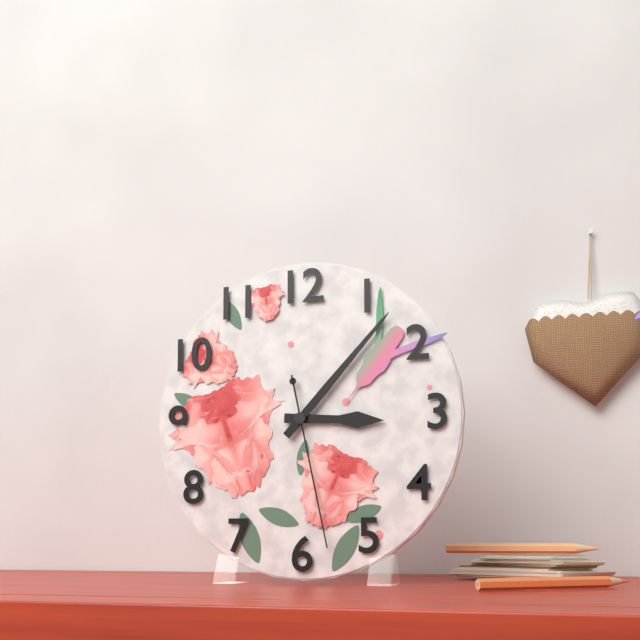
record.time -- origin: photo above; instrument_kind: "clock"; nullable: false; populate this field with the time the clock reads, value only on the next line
3:07:28
